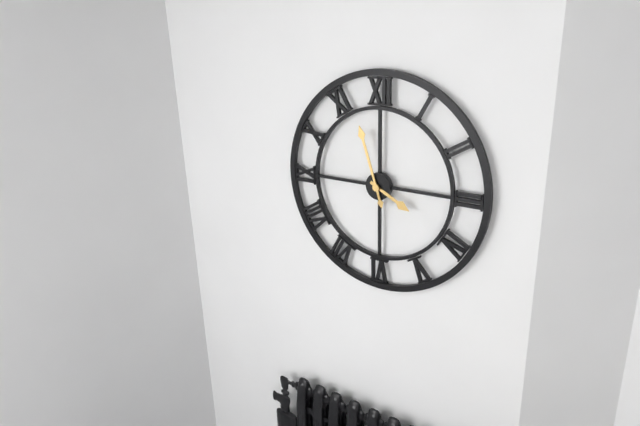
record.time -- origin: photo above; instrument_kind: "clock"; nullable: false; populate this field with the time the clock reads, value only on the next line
3:57
